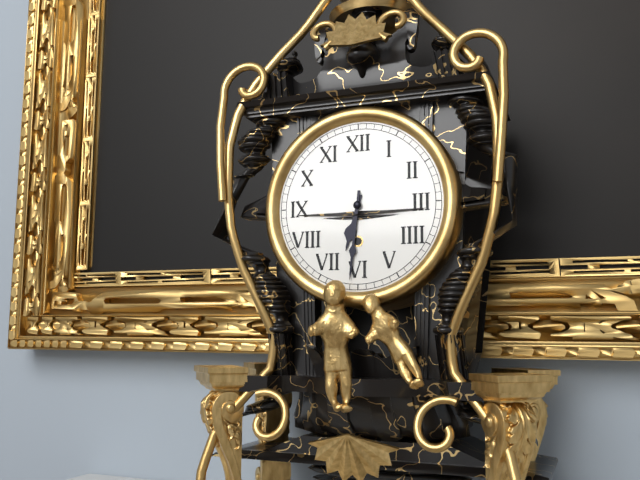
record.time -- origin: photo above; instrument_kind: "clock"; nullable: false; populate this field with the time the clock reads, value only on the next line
6:31
